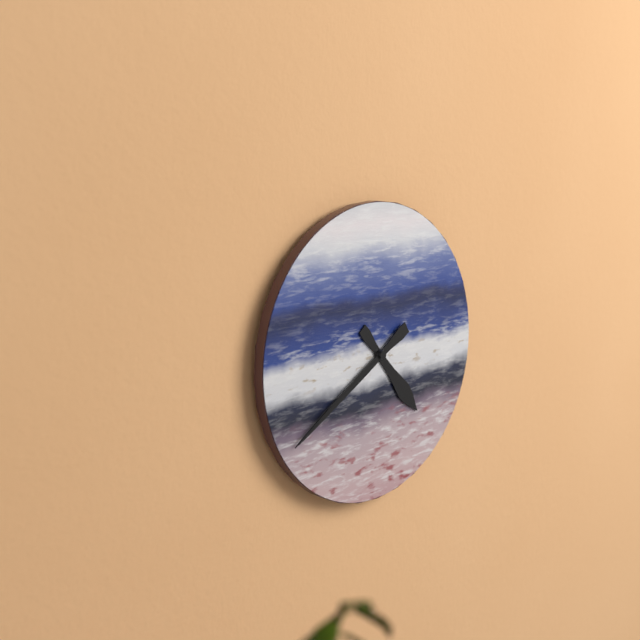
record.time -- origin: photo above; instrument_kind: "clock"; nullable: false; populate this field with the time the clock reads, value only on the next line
4:40
